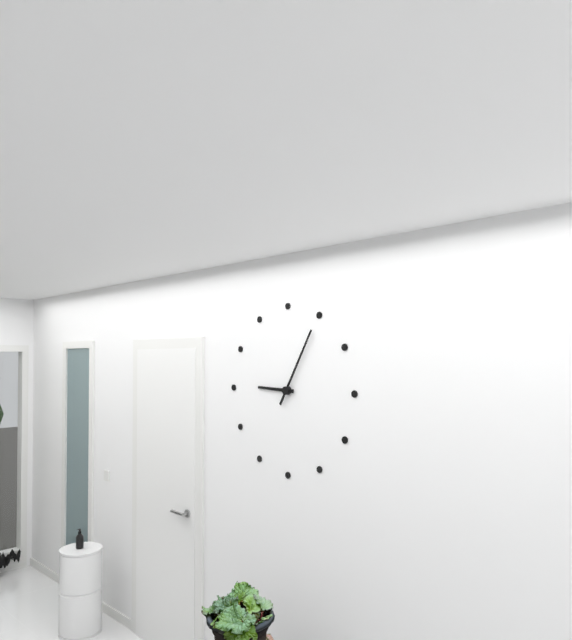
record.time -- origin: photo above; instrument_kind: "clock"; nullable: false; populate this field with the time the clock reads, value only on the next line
9:05
